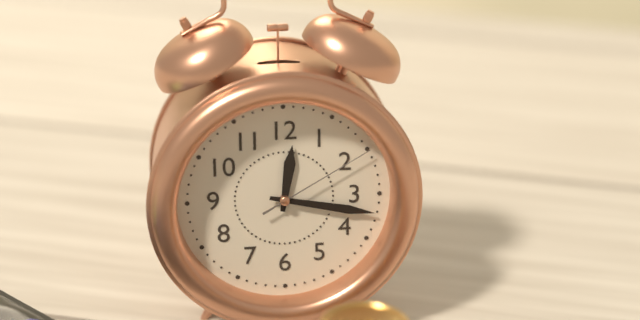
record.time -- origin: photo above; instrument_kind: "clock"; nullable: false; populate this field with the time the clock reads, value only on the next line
12:17:10
